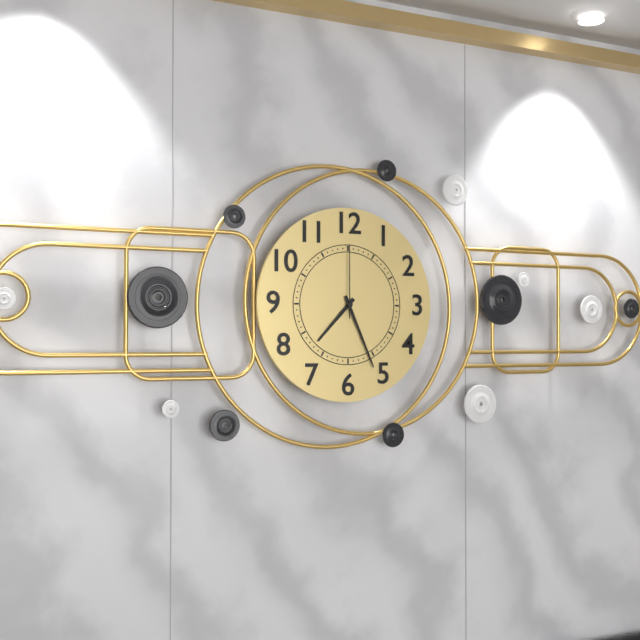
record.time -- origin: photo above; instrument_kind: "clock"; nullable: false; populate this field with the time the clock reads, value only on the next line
7:26:00
